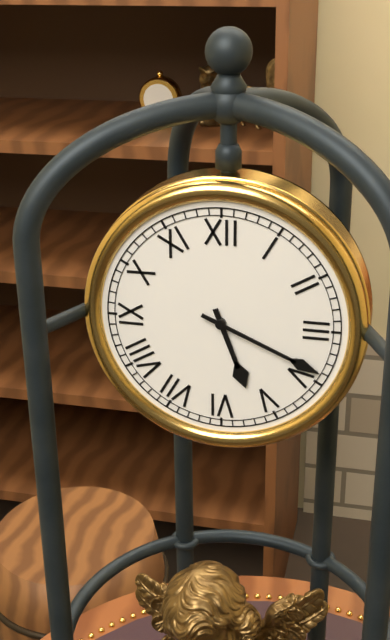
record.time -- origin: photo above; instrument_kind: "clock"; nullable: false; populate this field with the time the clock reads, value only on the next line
5:19
